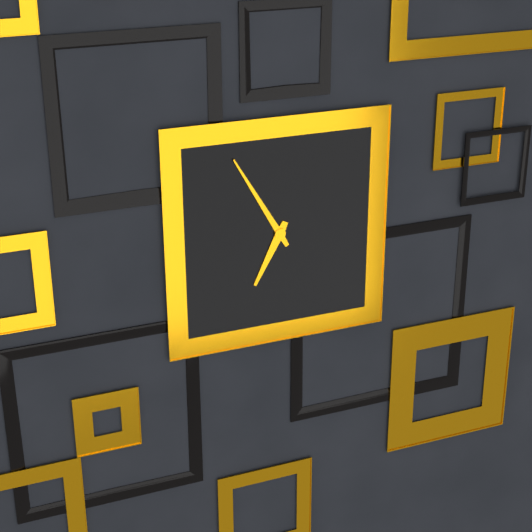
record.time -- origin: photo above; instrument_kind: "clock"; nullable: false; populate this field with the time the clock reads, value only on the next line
6:55
